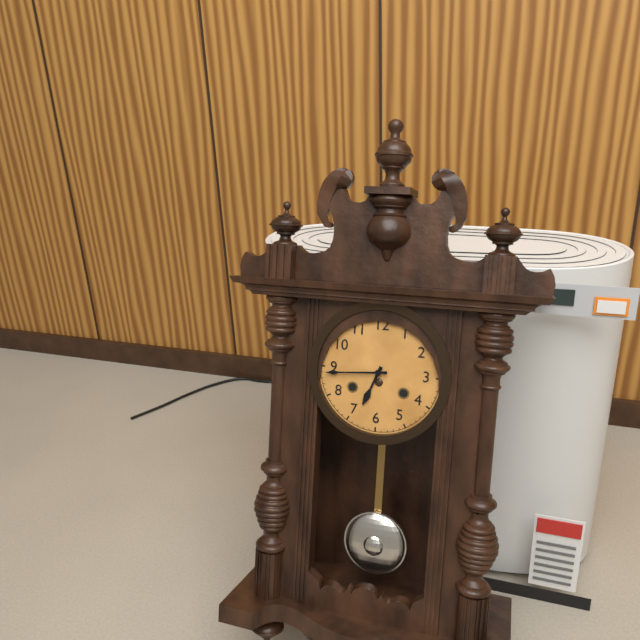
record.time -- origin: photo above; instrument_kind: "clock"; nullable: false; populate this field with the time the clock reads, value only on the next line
6:44
